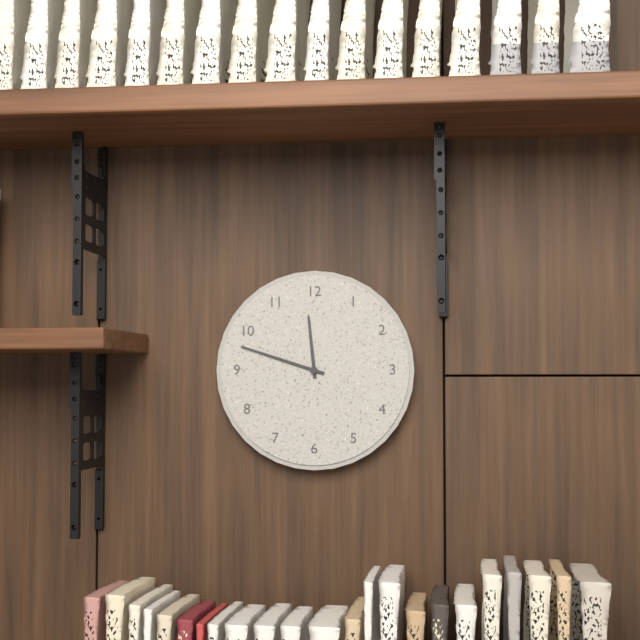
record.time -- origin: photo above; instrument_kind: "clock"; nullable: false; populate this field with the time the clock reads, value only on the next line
11:48
